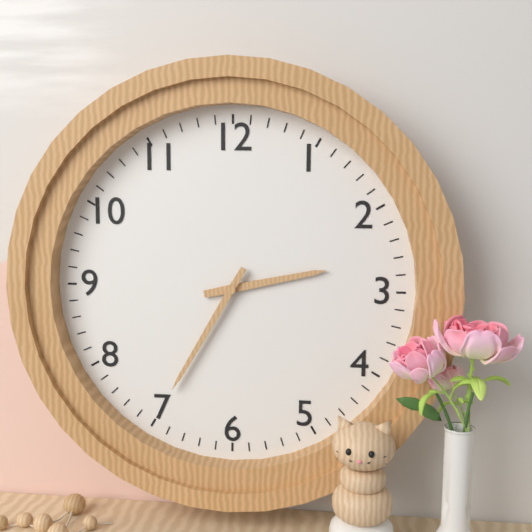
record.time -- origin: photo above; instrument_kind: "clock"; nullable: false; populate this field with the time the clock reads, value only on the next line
2:35
